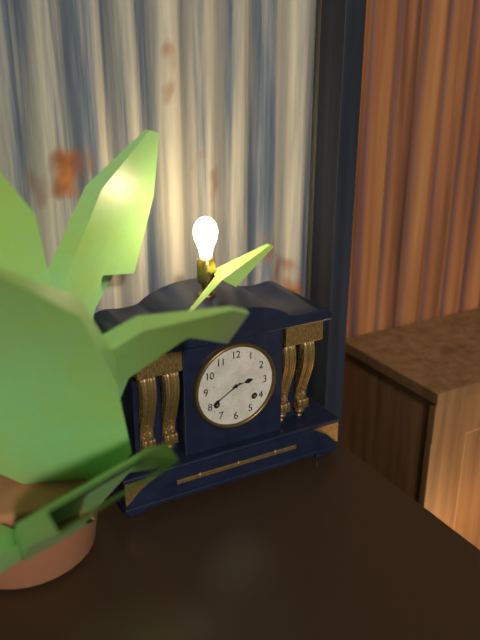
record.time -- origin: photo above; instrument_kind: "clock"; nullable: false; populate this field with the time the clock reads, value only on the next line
2:40
